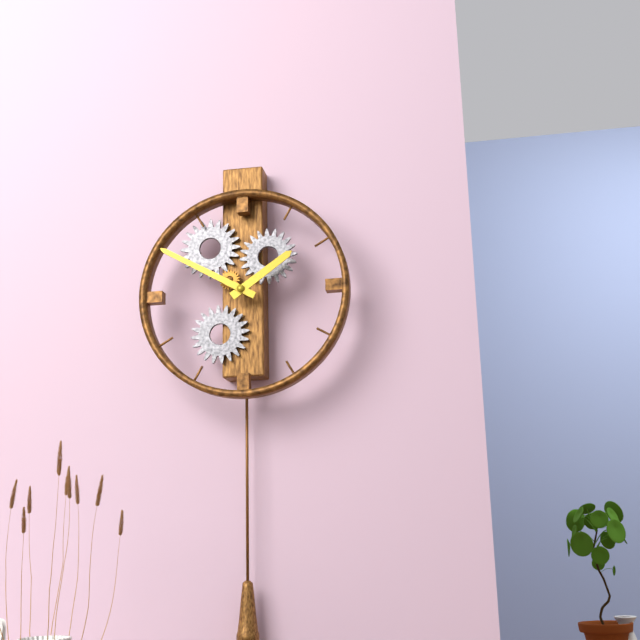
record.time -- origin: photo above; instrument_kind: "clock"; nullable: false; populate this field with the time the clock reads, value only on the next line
1:50
